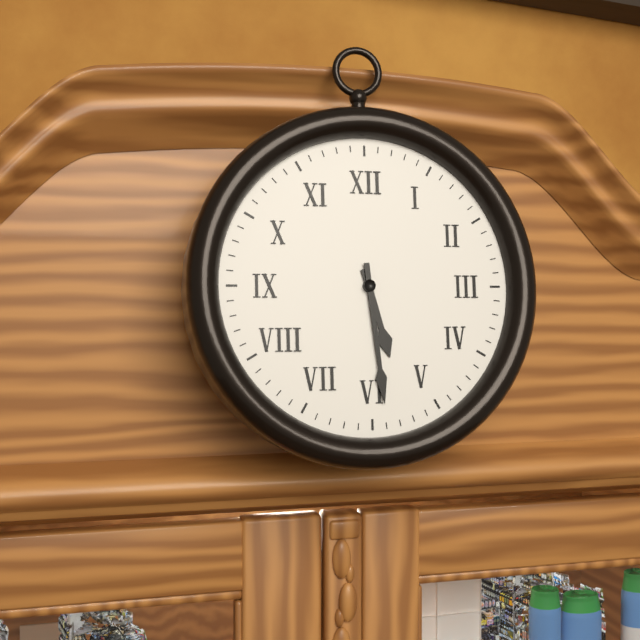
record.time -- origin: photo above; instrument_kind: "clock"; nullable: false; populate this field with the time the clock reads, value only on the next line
5:29
